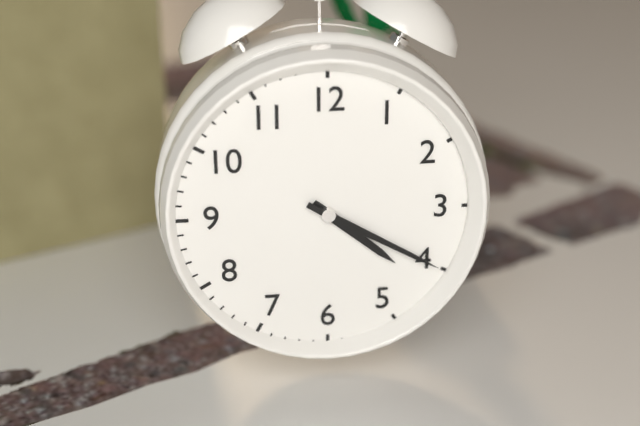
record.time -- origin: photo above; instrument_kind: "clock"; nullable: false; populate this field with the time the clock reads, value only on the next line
4:20
